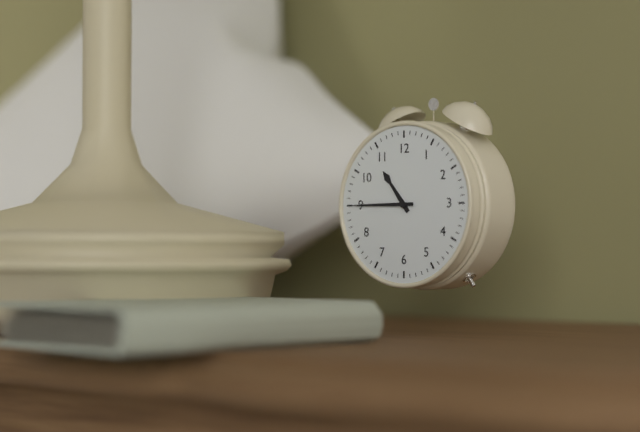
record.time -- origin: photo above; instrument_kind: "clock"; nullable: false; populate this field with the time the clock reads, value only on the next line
10:45
